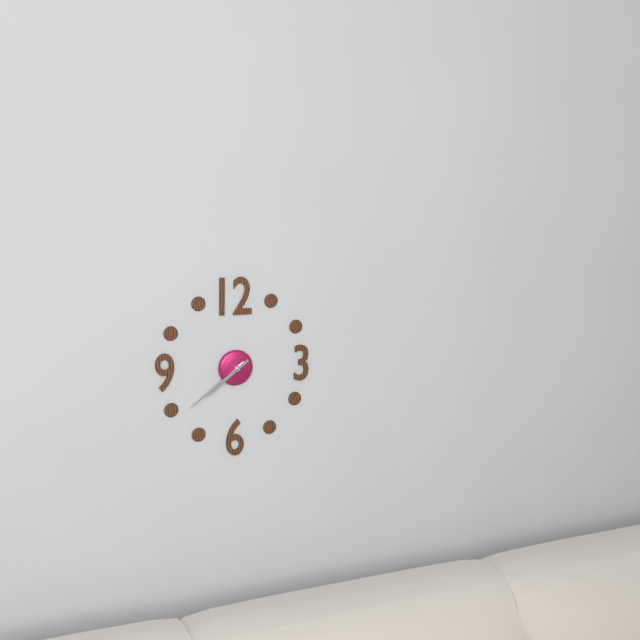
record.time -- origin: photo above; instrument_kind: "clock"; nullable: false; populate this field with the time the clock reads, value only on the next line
7:39
